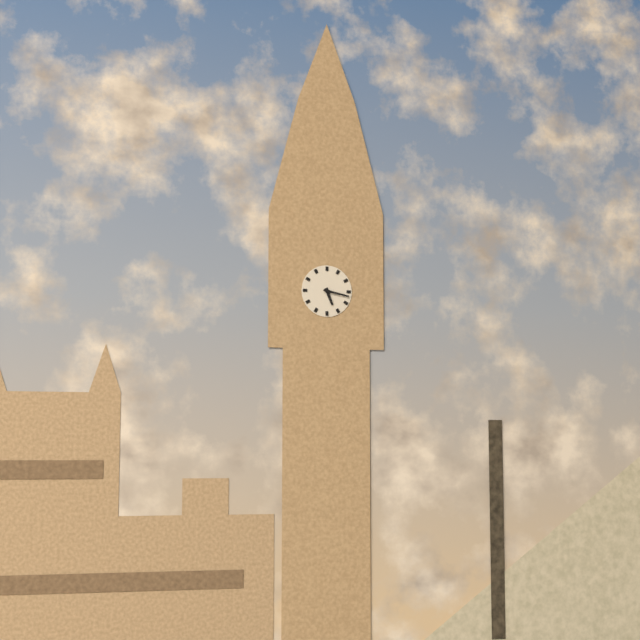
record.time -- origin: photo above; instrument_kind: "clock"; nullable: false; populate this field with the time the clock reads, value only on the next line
5:17
